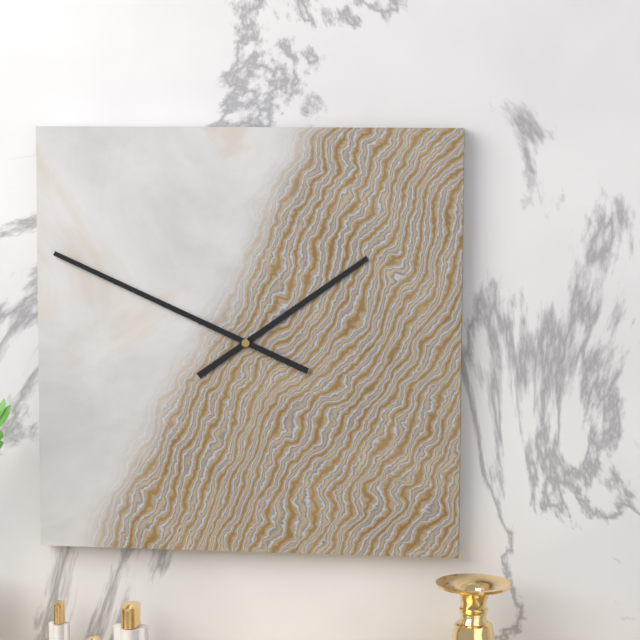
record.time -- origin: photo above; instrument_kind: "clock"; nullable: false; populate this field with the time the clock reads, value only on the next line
1:49
